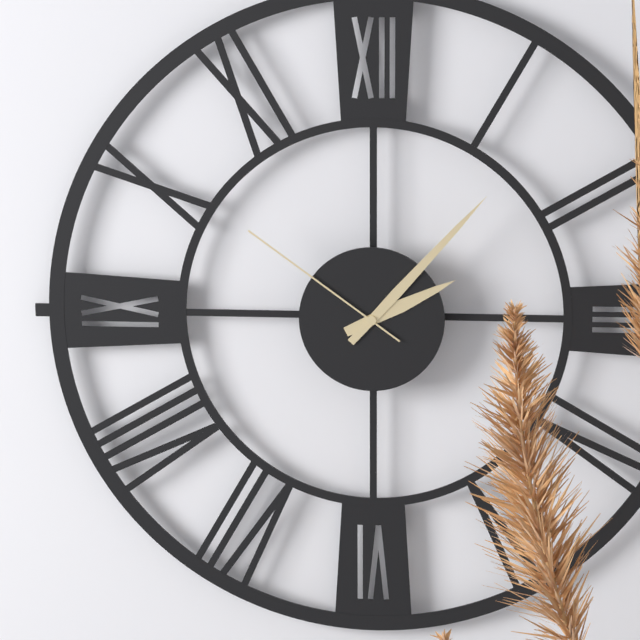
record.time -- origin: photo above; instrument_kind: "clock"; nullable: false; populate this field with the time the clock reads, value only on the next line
2:07:51
